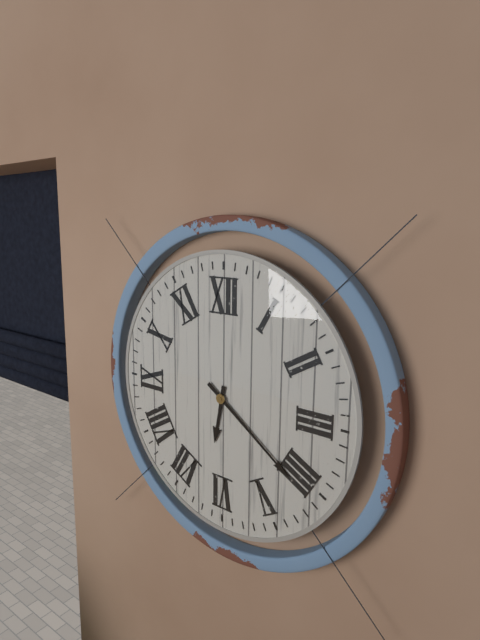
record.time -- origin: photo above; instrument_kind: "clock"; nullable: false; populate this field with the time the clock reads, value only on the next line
6:21
